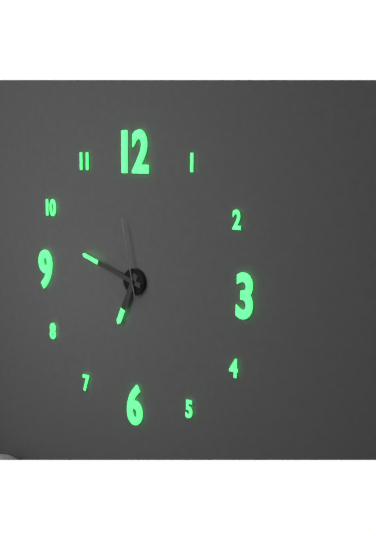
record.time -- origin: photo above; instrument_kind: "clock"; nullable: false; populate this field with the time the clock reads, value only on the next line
6:48:58
